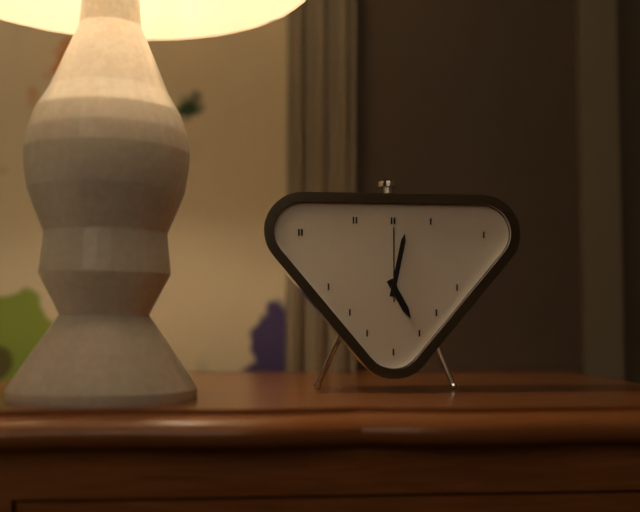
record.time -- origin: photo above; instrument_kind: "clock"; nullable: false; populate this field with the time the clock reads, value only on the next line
5:02:00
